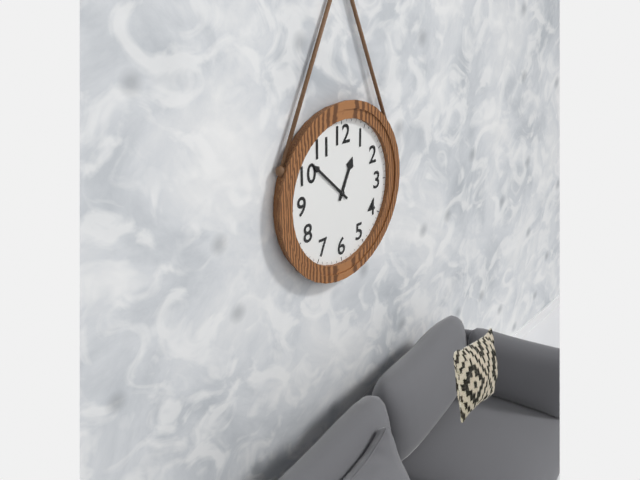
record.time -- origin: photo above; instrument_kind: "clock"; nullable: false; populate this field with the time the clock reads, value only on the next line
12:52
